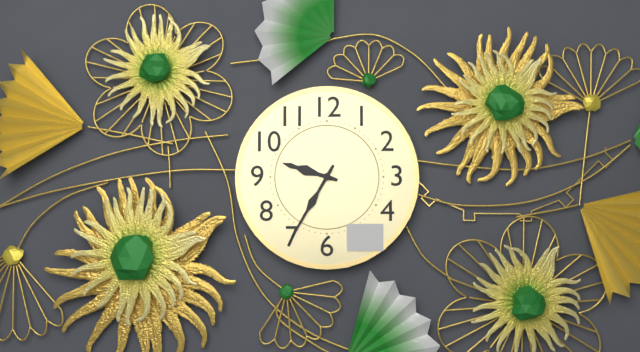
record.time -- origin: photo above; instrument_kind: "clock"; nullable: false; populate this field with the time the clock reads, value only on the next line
9:35
